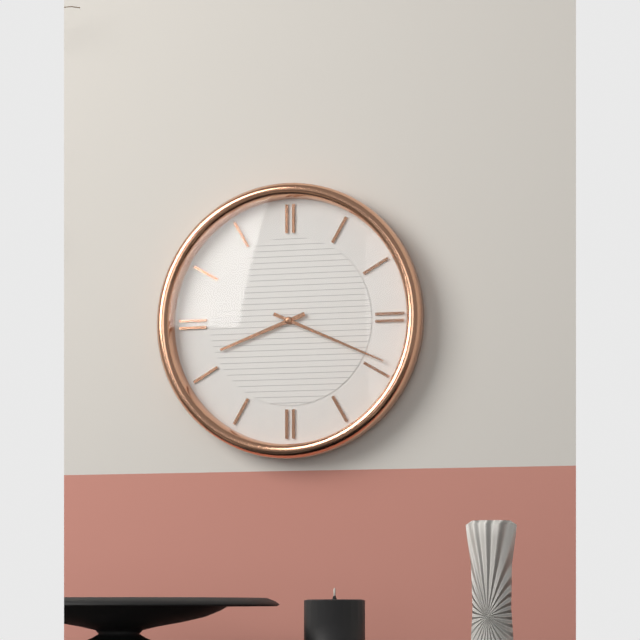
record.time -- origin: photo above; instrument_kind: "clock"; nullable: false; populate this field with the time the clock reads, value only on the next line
8:19
